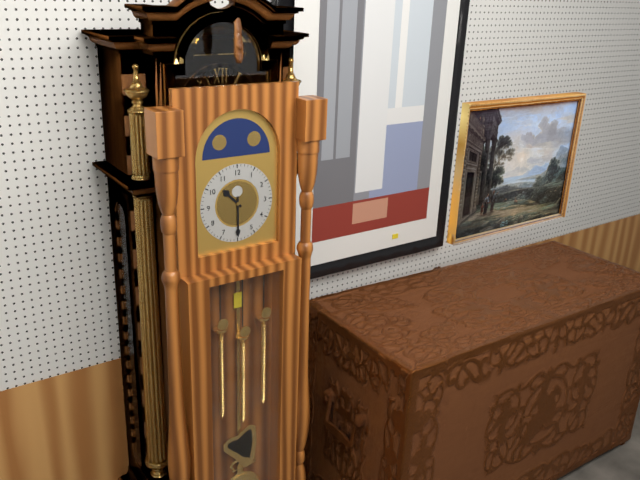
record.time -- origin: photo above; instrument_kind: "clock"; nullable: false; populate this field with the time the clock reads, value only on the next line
10:30
